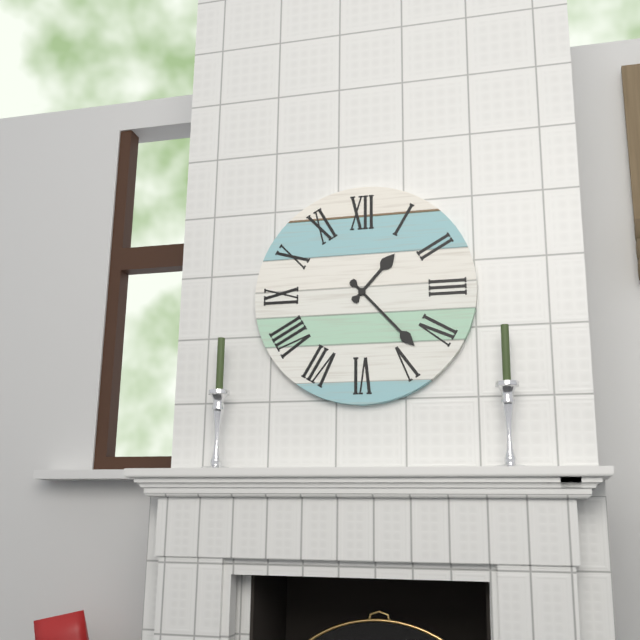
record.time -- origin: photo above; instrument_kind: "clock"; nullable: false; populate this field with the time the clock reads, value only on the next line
1:23
